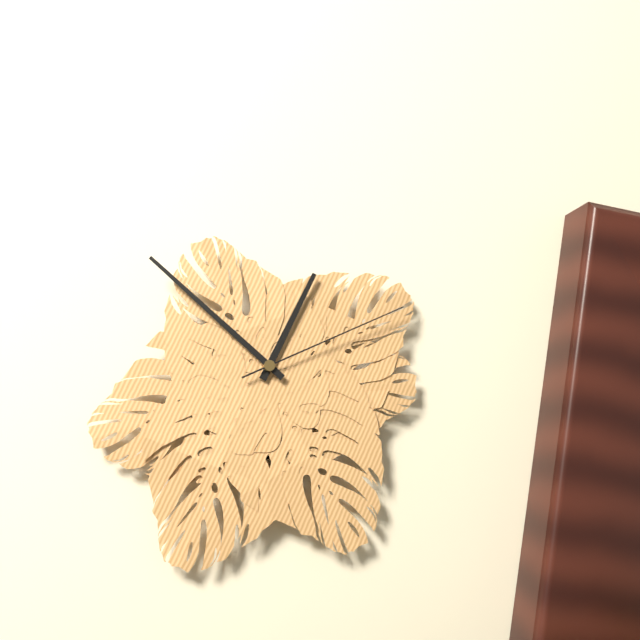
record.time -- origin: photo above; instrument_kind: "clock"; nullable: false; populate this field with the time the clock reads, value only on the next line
12:52:11
